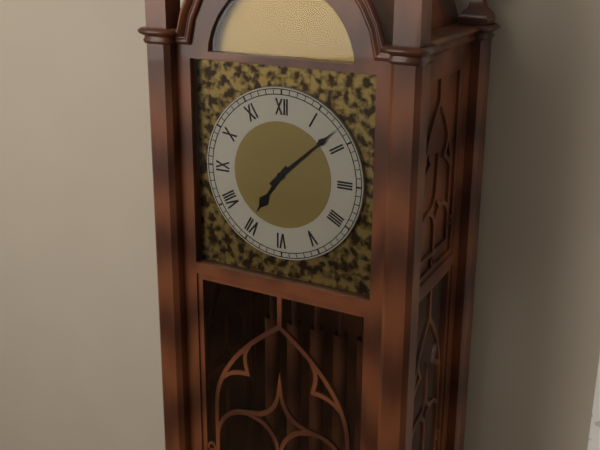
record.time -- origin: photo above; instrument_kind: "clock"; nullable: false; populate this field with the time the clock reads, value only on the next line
7:08
